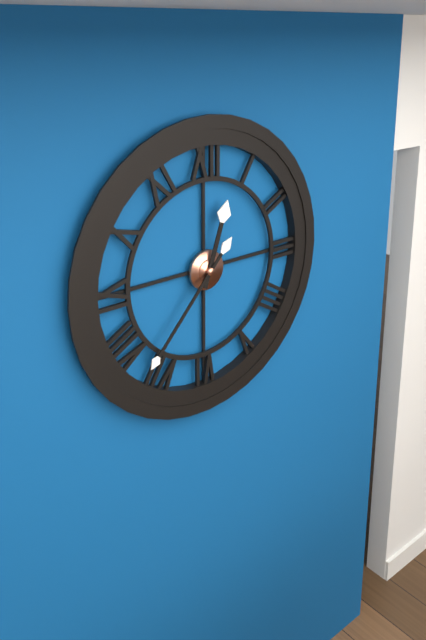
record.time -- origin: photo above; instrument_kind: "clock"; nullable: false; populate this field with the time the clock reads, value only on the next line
12:37
